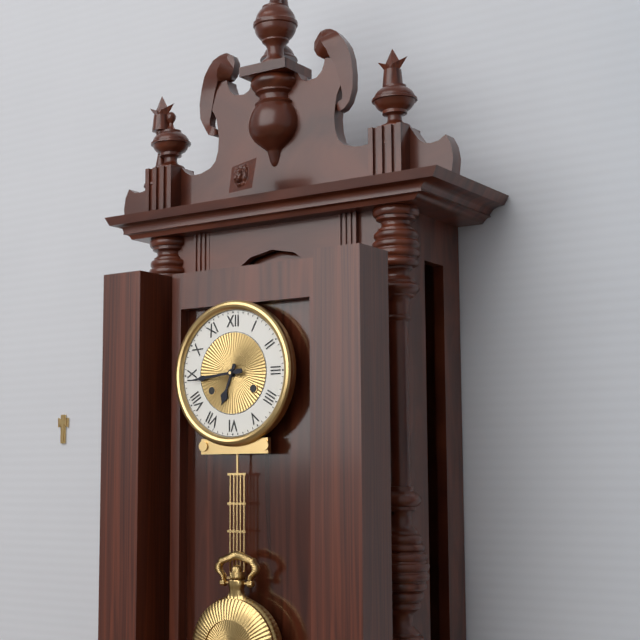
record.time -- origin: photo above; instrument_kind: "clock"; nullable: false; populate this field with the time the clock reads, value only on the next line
6:44
